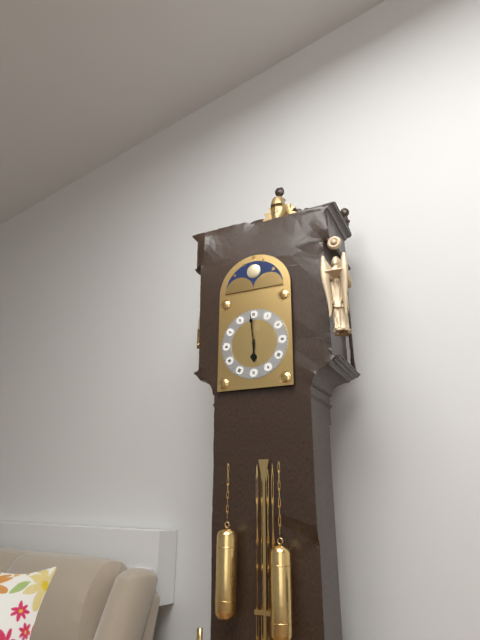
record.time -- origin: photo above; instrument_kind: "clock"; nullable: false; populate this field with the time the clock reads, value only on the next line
5:59
